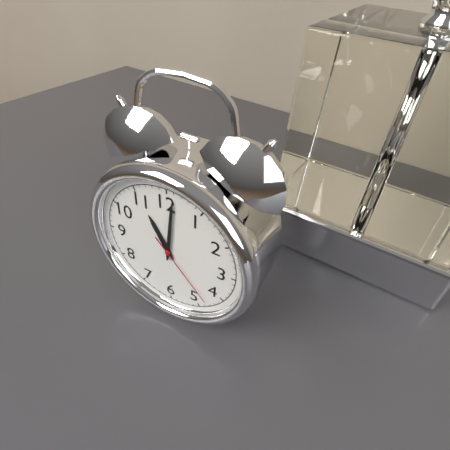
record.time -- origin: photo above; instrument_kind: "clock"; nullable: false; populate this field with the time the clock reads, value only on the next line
11:01:23
